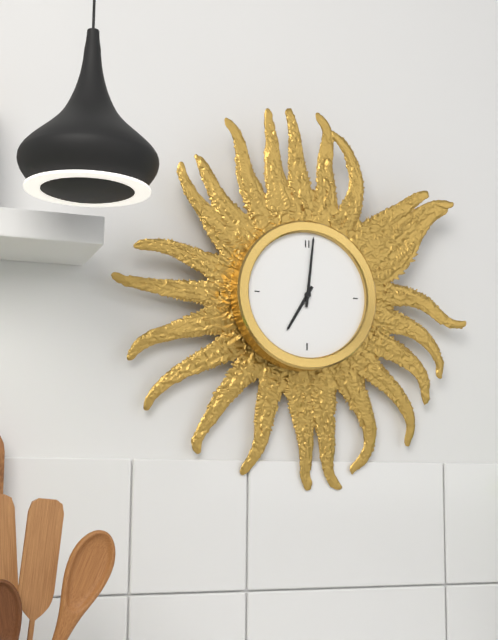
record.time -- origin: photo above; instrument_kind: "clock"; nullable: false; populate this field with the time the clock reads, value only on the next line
7:01
